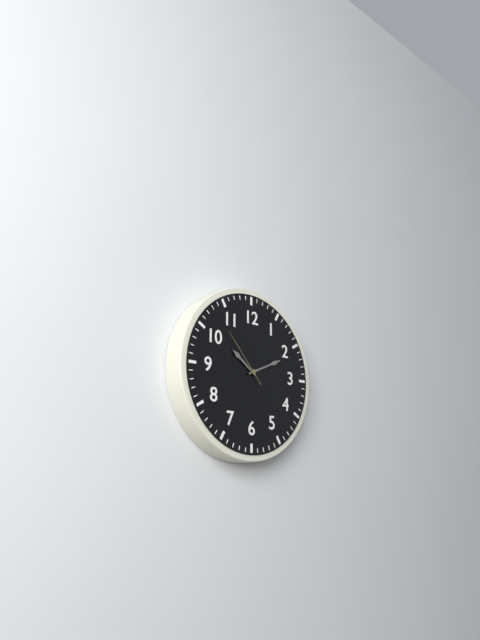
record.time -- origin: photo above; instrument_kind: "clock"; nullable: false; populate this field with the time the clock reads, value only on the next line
10:11:53
